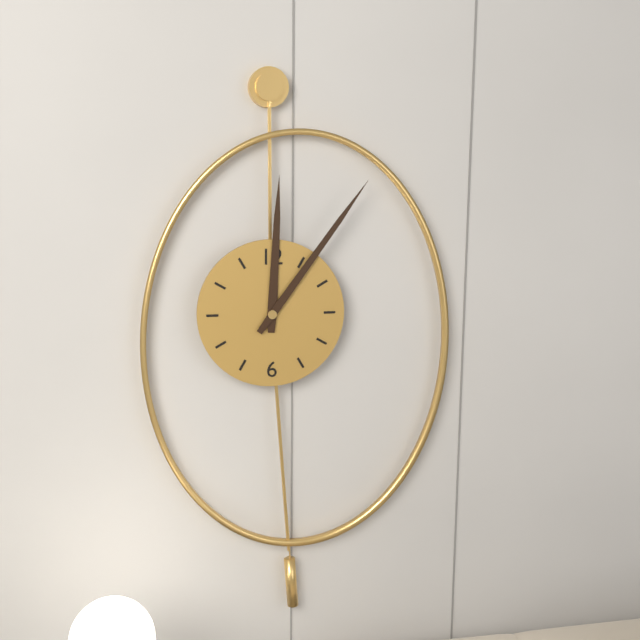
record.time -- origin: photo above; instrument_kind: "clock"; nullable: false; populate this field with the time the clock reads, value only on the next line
12:06
